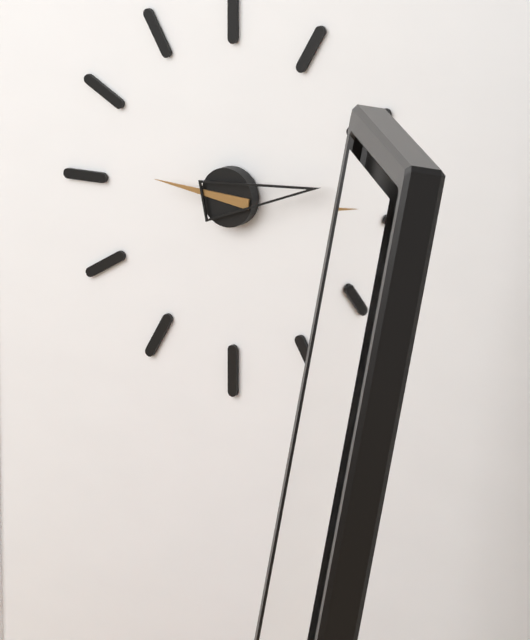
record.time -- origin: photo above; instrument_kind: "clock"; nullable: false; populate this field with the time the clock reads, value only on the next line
9:13
